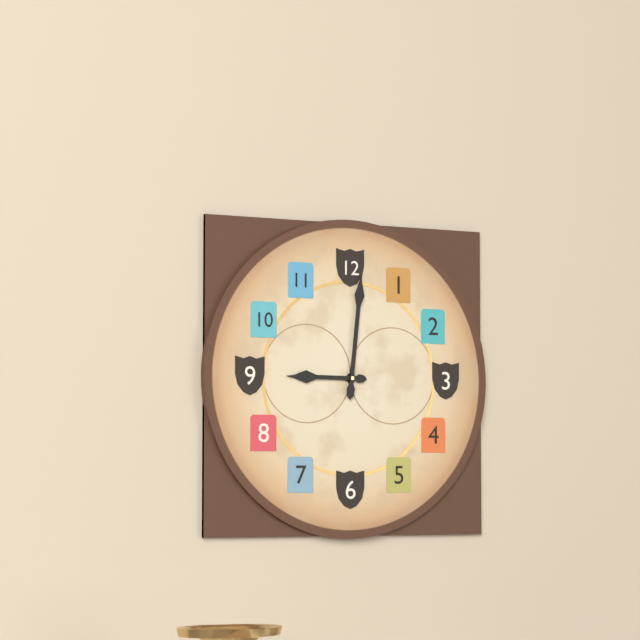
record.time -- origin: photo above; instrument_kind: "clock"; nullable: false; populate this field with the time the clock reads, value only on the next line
9:01
